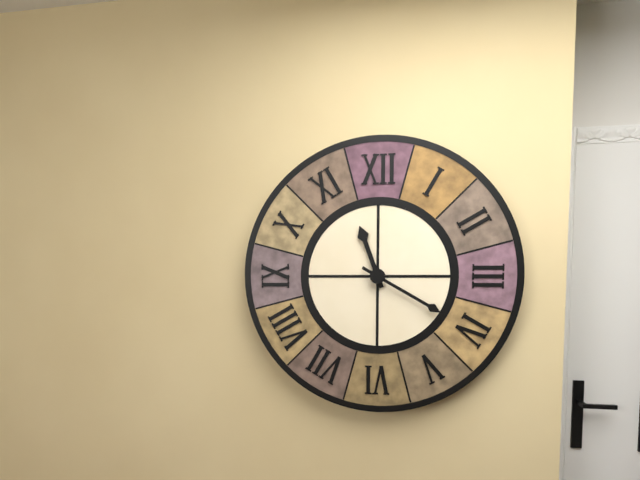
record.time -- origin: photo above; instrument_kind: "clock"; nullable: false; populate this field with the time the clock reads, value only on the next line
11:20
